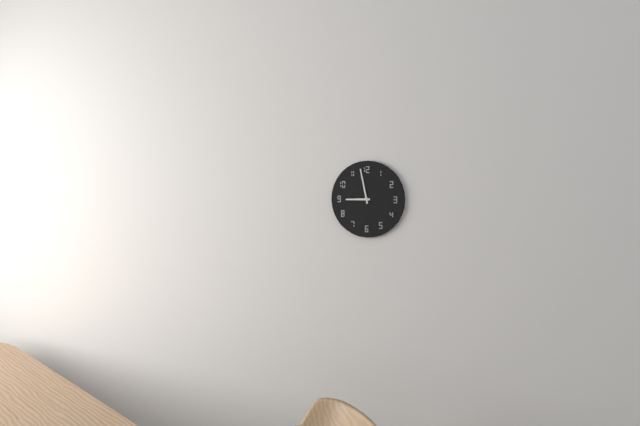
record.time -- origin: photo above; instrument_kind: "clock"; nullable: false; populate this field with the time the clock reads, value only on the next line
8:58
